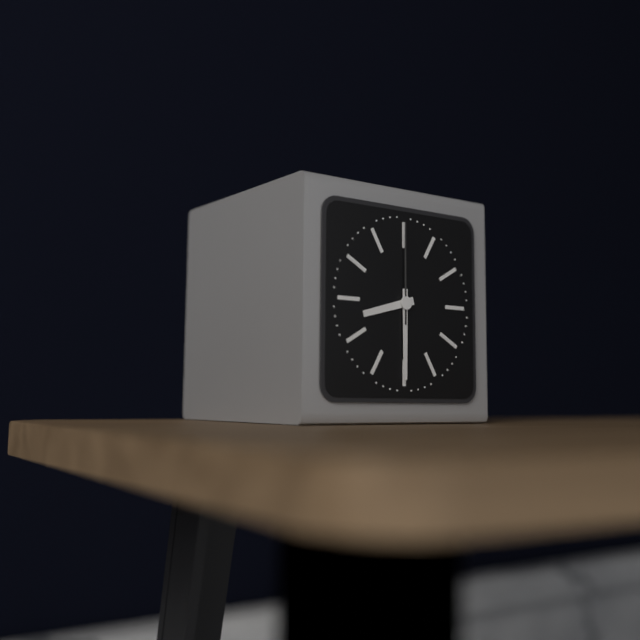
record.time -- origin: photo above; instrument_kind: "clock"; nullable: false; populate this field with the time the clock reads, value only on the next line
8:30:00
